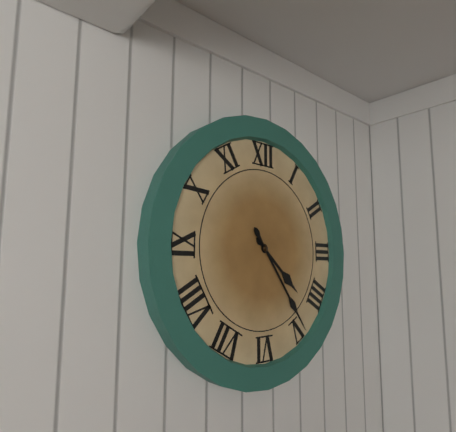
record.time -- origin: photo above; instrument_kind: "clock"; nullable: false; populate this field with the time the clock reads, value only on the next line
4:24
